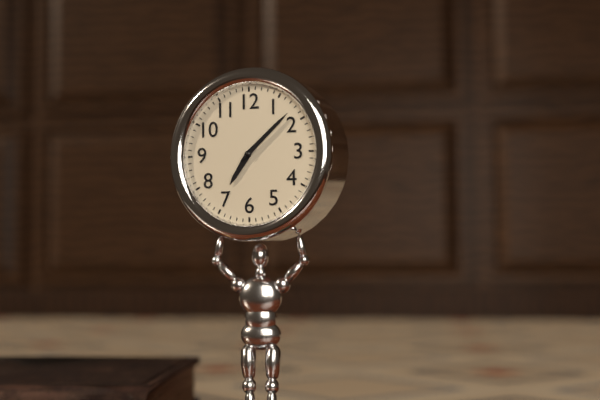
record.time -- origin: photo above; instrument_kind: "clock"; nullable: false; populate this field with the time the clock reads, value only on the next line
7:08
